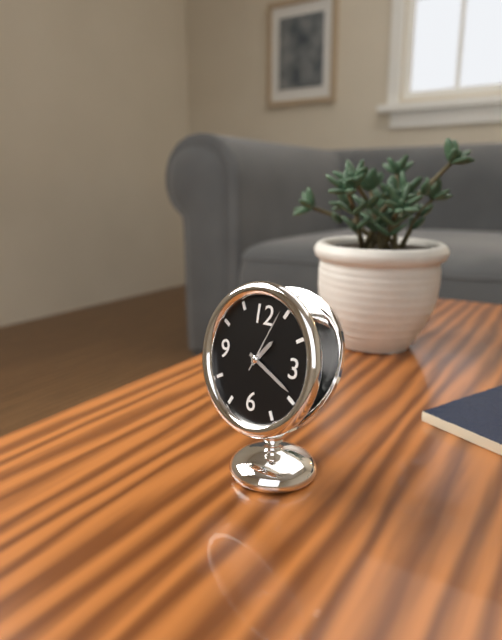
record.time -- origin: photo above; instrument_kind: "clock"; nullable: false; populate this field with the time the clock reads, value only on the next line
1:19:04
